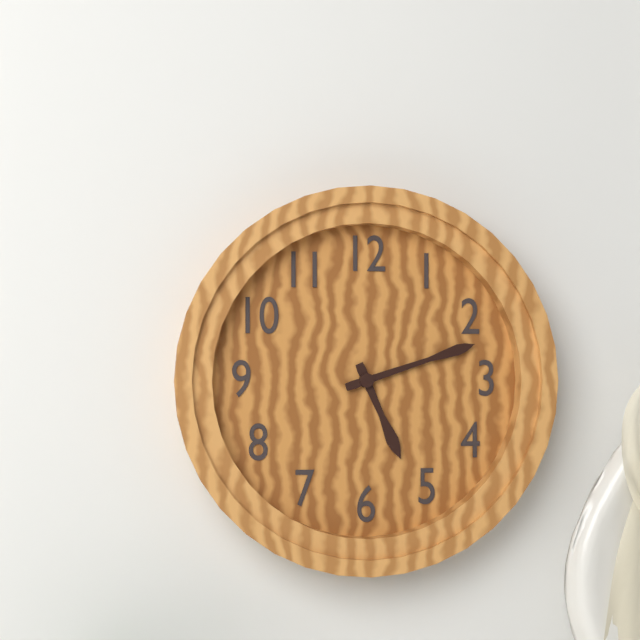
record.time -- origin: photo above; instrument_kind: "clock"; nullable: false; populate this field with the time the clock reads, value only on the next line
5:12
